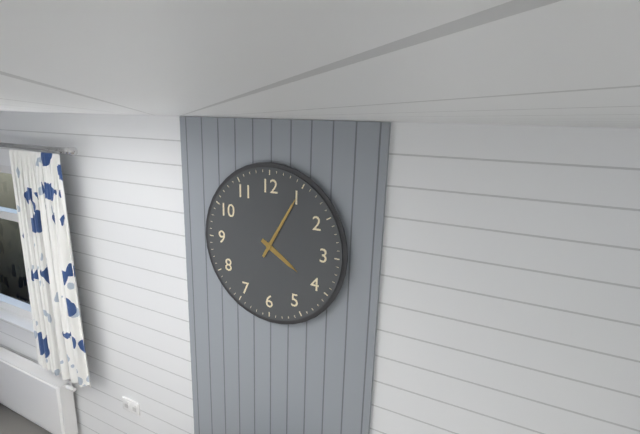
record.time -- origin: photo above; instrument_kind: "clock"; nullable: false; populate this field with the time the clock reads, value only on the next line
4:05
